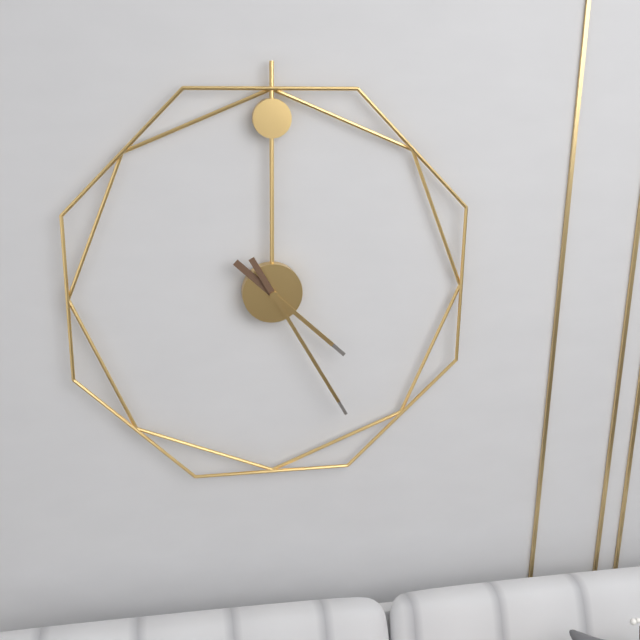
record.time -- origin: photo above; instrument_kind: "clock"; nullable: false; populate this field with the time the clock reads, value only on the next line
4:25
